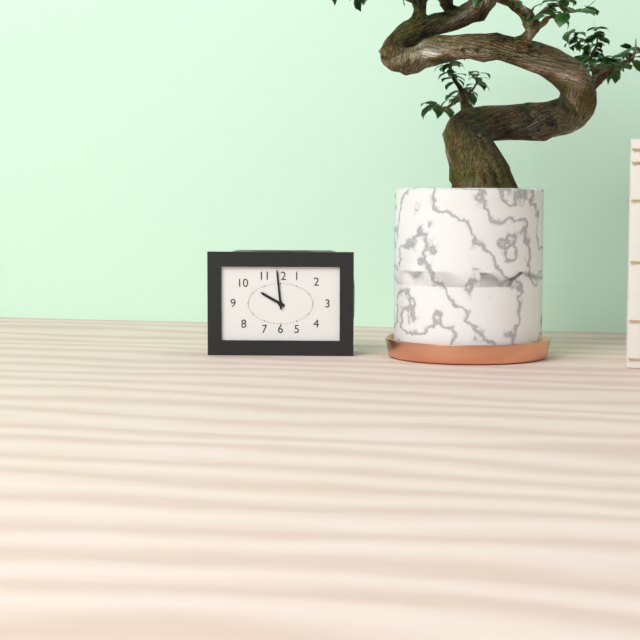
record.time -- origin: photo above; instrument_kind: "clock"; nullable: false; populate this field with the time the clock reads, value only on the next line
9:59
